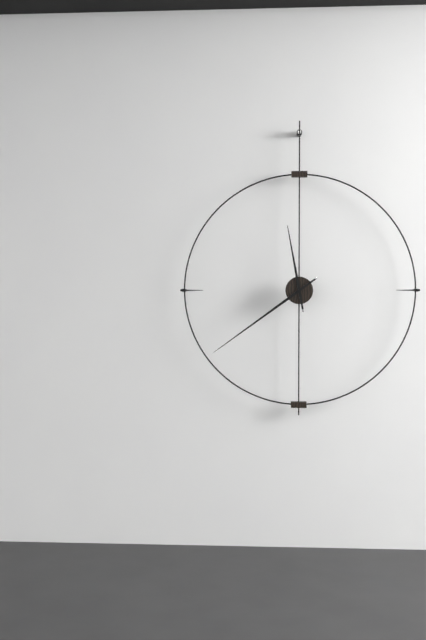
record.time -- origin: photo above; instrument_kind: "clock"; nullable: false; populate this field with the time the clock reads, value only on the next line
11:39
